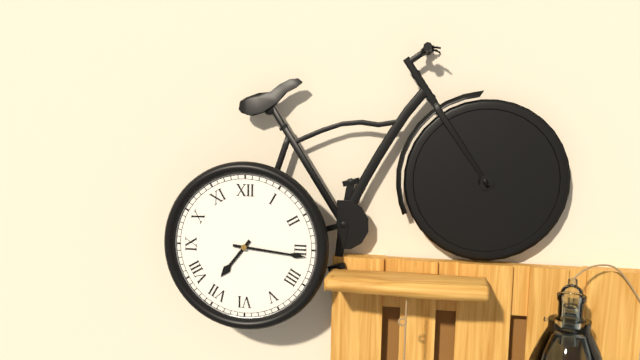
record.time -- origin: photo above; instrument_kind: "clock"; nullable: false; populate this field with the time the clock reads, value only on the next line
7:16
